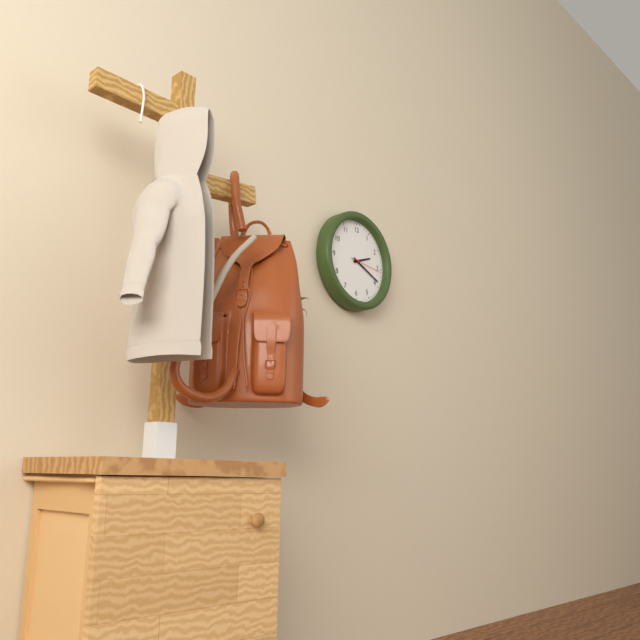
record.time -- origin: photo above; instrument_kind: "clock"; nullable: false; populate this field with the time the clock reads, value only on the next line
2:19
